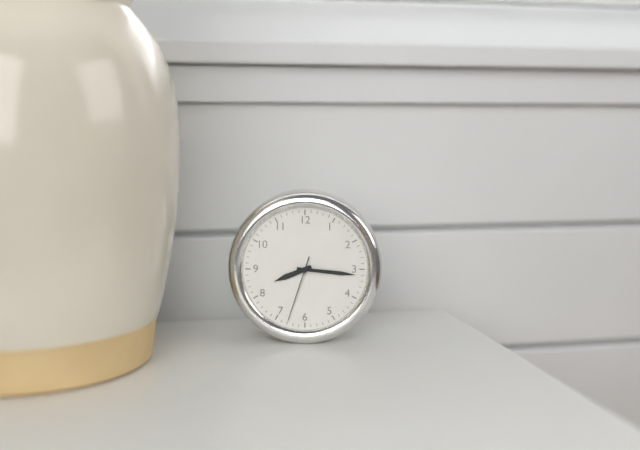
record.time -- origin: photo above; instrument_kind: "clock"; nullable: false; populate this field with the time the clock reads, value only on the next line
8:16:33
